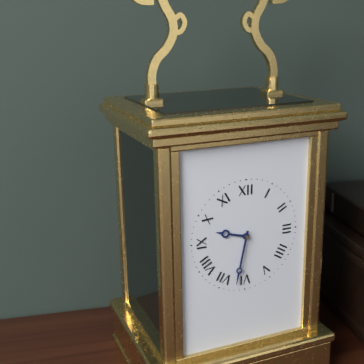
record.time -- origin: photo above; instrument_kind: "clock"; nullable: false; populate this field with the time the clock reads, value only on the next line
9:32
